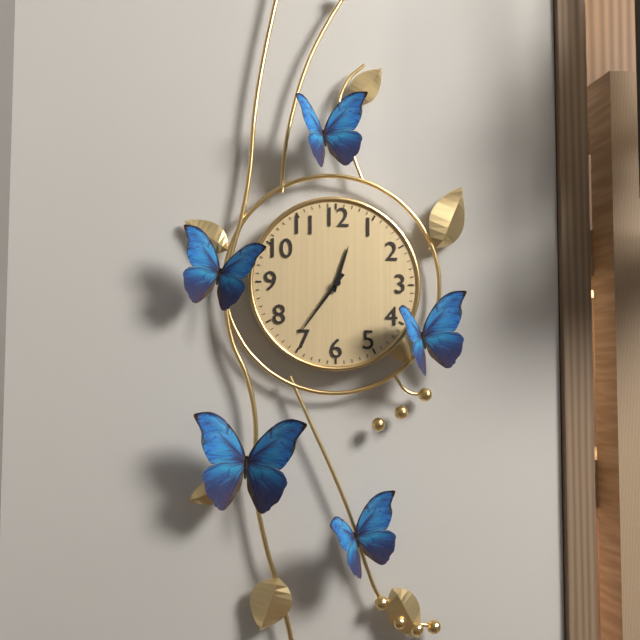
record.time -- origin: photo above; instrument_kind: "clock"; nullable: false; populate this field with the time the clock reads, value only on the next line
12:36
